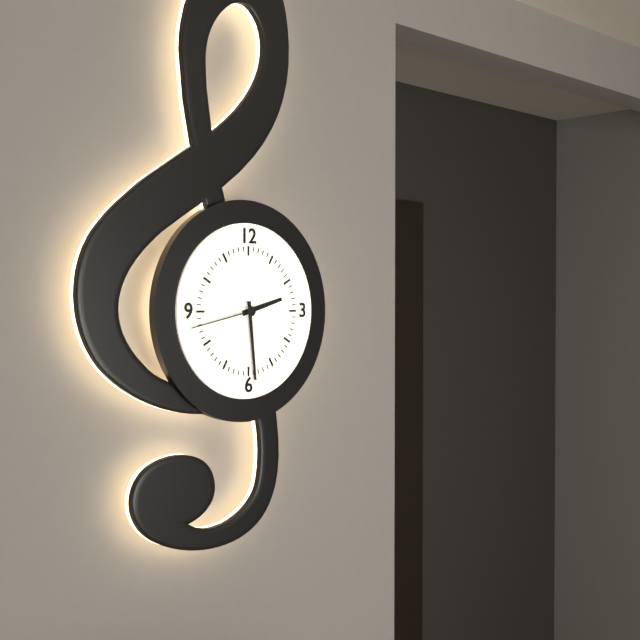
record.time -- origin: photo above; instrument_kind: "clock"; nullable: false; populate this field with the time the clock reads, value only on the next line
2:29:43
